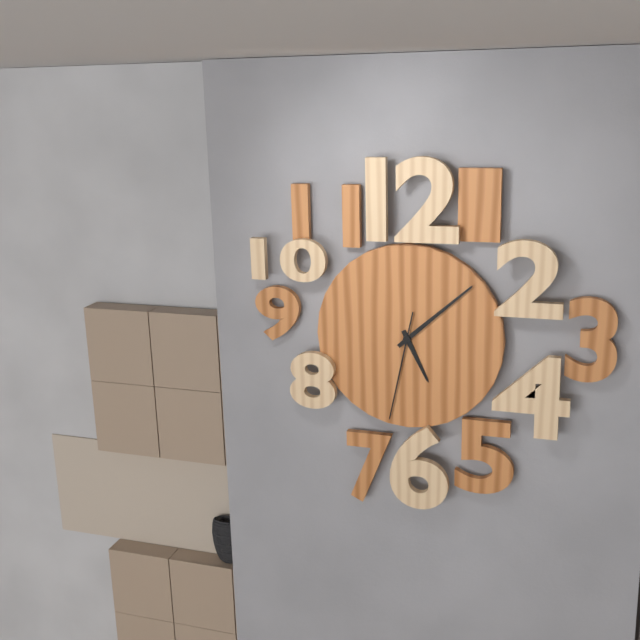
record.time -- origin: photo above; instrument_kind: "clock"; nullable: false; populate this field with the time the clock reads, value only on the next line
5:08:32
